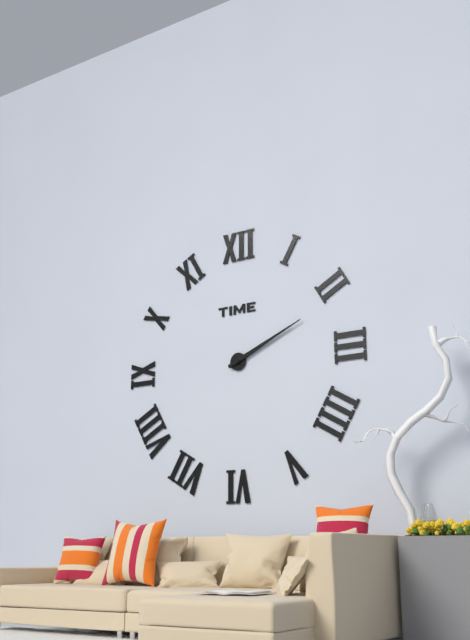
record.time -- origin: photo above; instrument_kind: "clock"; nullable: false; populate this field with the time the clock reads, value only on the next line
2:11
